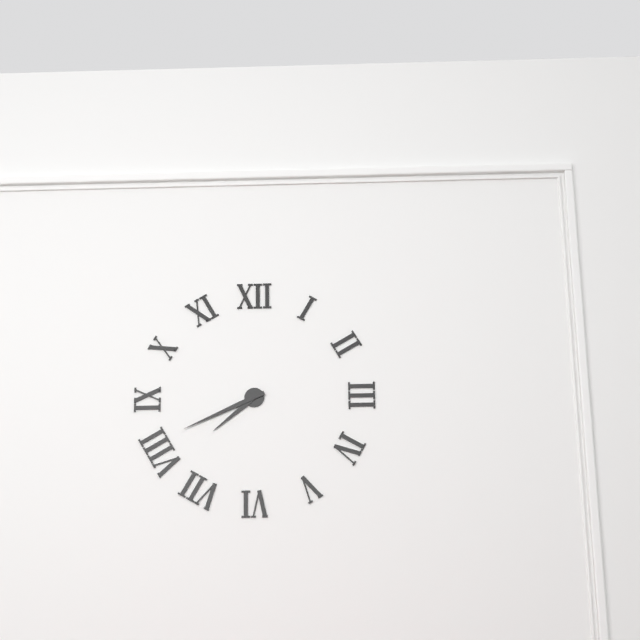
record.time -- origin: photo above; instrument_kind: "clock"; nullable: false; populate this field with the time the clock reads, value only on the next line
7:41
